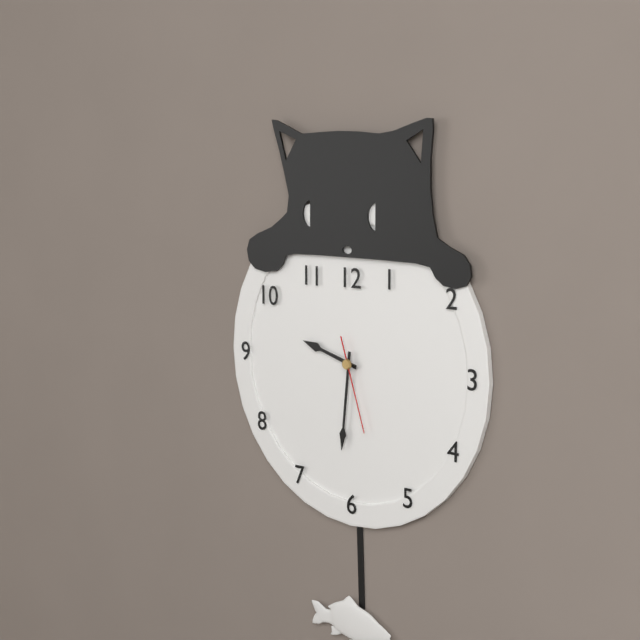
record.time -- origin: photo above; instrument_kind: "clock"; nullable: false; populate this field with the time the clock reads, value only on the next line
9:31:27
